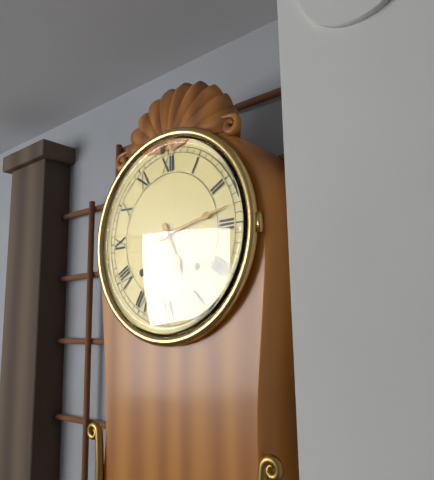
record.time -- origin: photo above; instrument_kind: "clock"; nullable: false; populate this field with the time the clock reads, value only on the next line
5:13
